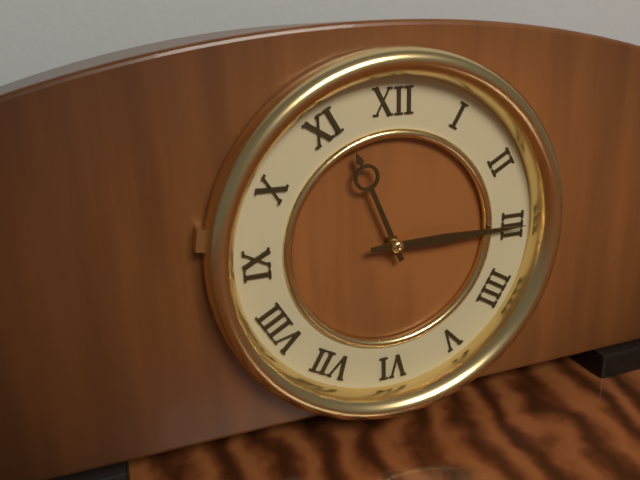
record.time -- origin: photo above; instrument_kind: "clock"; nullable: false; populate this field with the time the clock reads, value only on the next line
11:15
